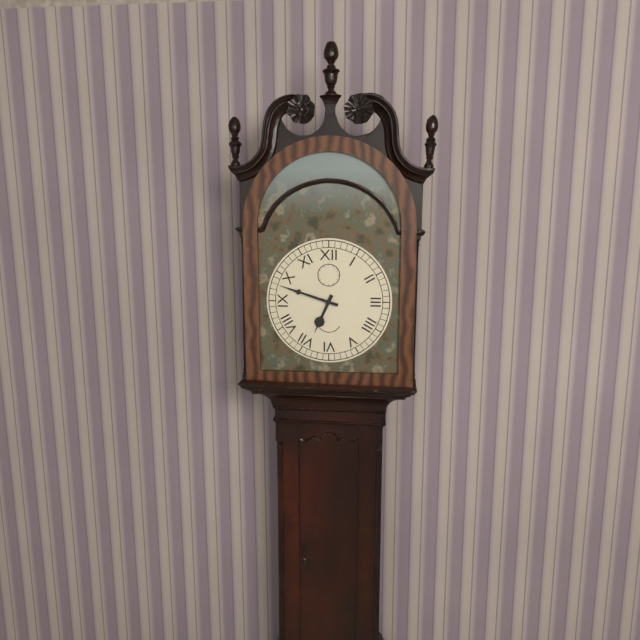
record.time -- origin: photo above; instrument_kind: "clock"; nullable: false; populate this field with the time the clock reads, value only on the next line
6:48
